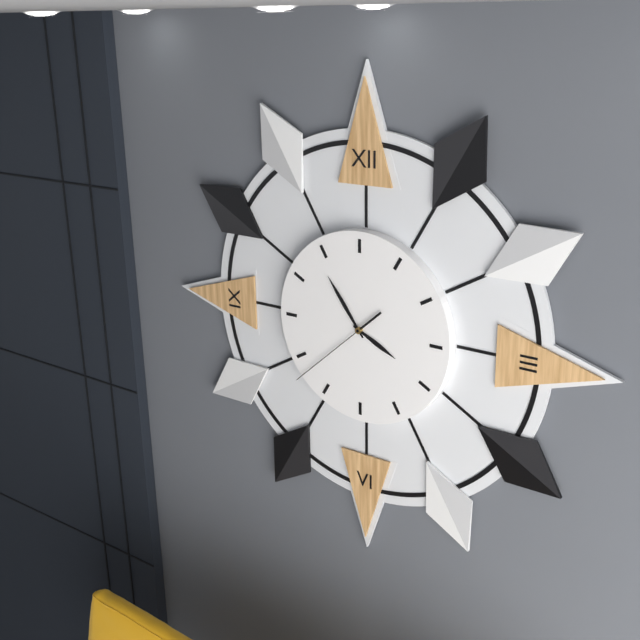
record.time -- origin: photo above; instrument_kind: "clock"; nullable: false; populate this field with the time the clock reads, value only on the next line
3:54:38
